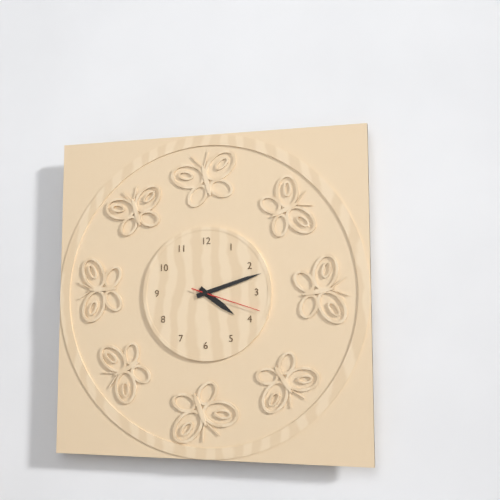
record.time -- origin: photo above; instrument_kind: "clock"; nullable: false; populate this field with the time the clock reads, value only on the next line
4:12:18
